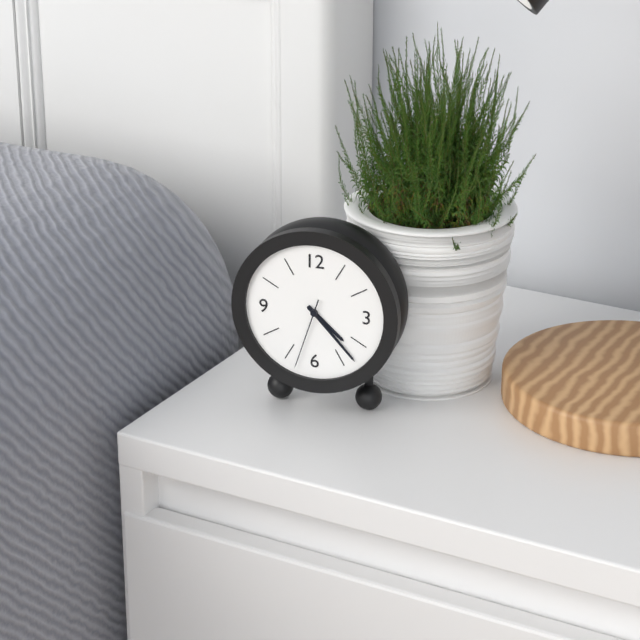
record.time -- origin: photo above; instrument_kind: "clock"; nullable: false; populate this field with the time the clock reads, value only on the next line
4:23:33
